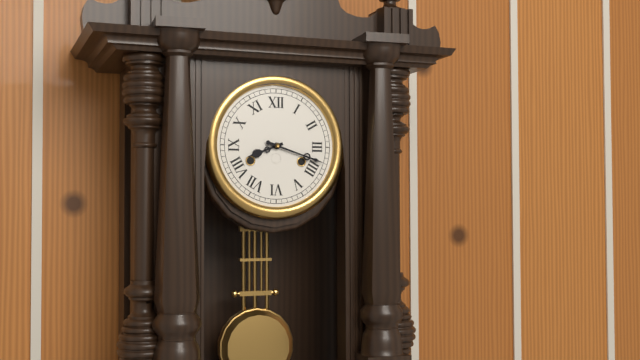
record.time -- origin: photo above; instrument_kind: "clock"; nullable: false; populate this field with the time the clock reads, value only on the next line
8:18
